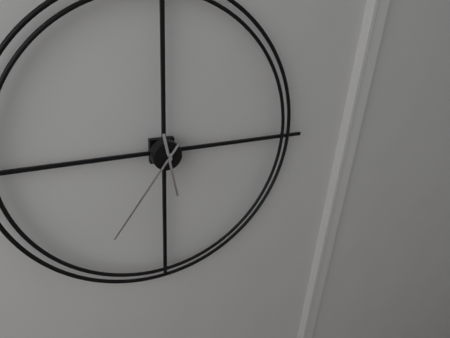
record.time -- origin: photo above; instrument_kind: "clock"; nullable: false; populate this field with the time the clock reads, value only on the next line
5:36
